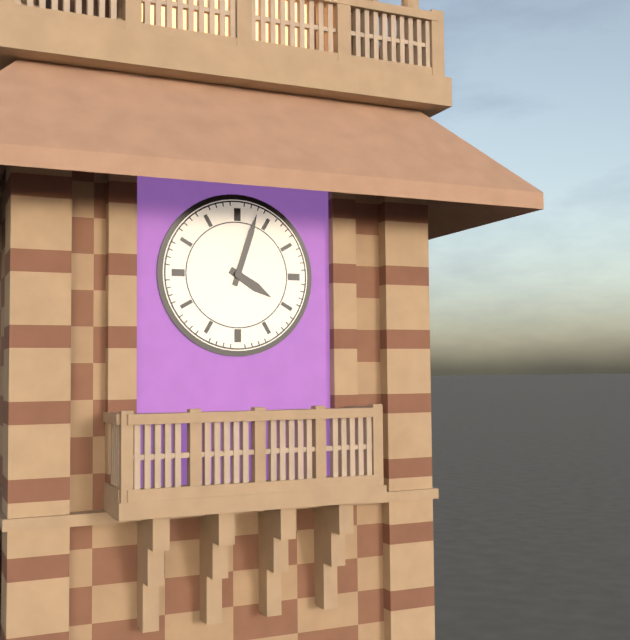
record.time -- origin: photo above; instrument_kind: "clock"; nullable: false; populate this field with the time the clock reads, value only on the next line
4:03
